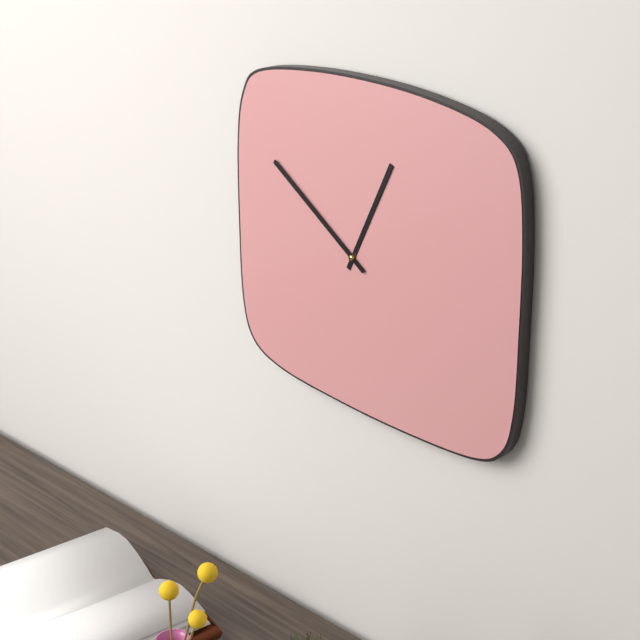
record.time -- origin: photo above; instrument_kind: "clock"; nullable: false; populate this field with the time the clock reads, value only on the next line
12:51
